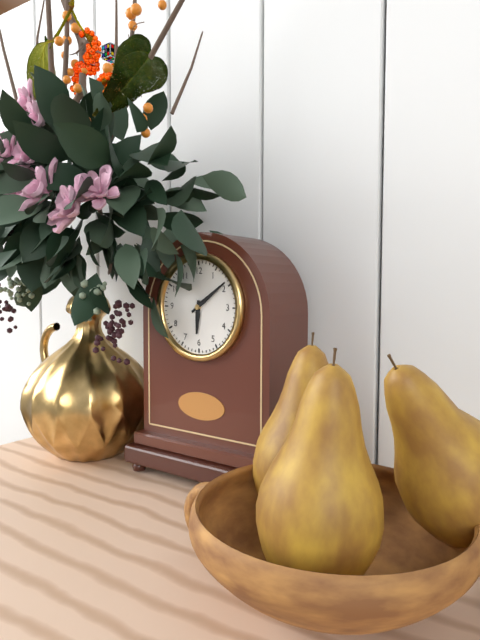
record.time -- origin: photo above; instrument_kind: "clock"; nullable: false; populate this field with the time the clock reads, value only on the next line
6:09
